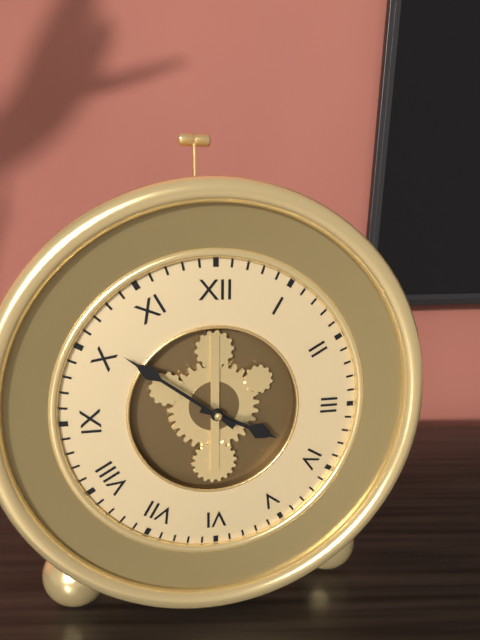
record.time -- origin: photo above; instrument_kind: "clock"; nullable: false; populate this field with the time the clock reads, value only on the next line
3:51
